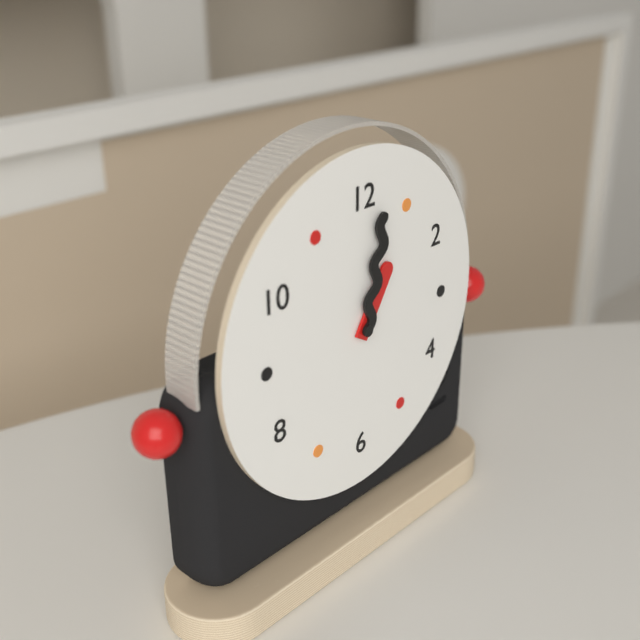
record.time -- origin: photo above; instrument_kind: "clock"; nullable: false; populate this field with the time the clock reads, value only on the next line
1:02
